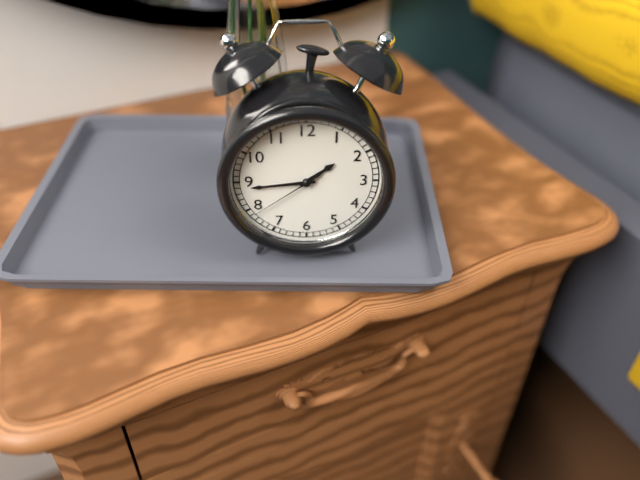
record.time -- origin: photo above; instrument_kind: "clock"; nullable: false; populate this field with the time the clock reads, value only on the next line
1:44:39
